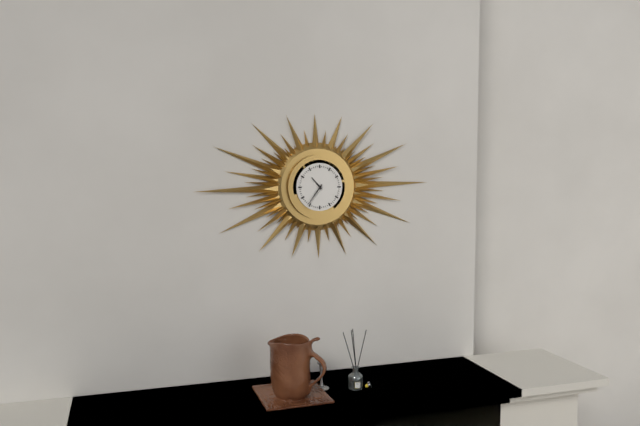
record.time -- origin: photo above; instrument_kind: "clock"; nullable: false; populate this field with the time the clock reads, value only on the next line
10:36
